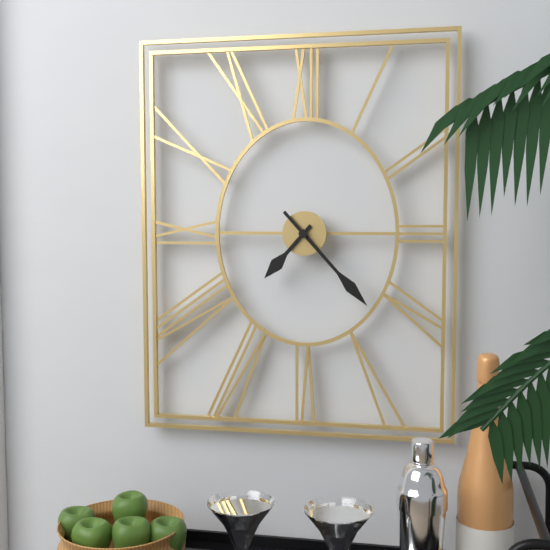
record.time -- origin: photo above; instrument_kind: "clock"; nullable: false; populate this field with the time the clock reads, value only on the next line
7:23
